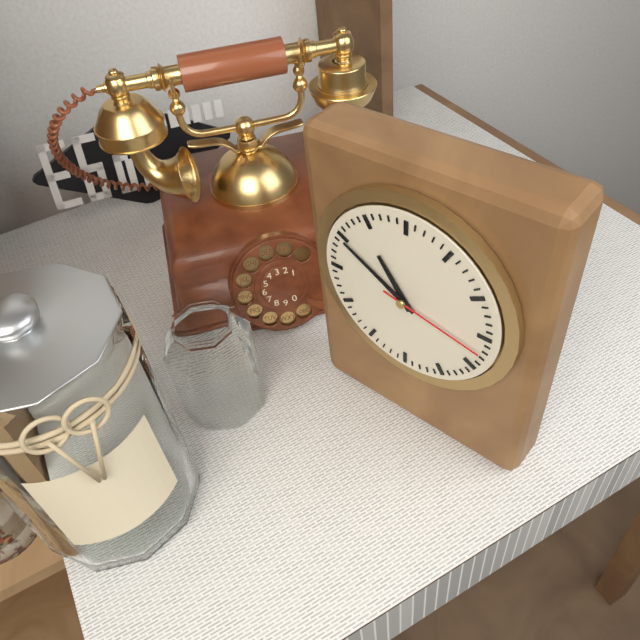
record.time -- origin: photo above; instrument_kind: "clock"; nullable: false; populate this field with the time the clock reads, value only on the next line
10:50:17
